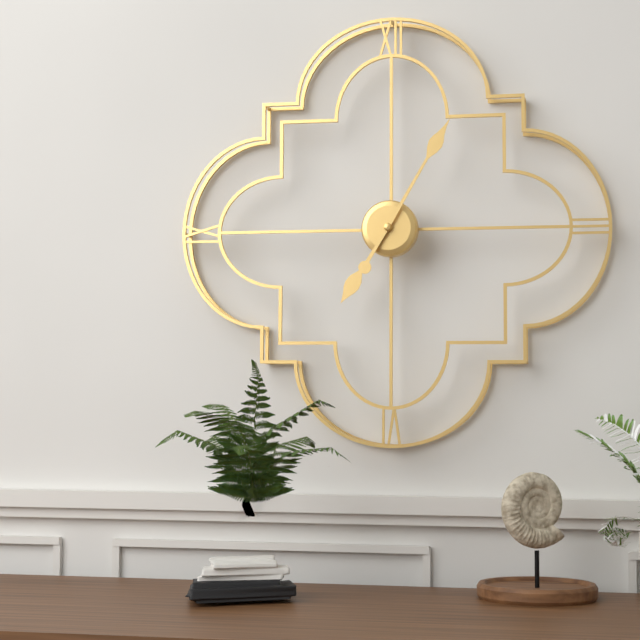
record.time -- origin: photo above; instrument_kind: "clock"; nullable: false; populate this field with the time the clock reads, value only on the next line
7:05
